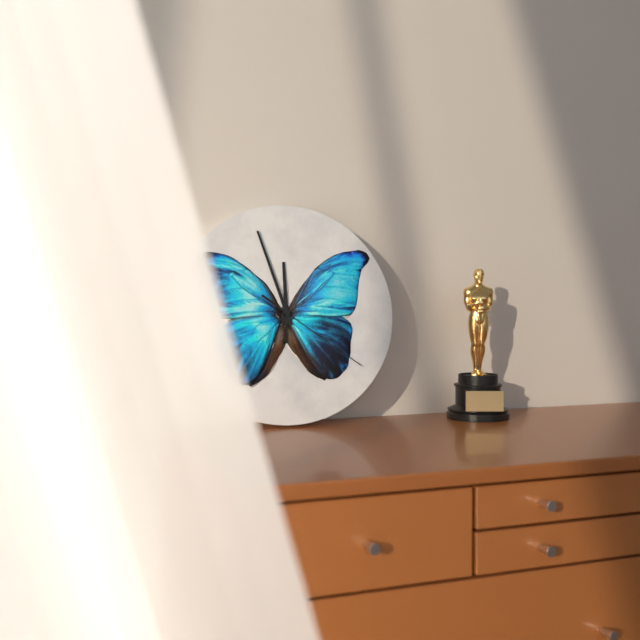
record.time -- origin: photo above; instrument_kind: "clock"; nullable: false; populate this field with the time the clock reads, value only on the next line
11:57:21
